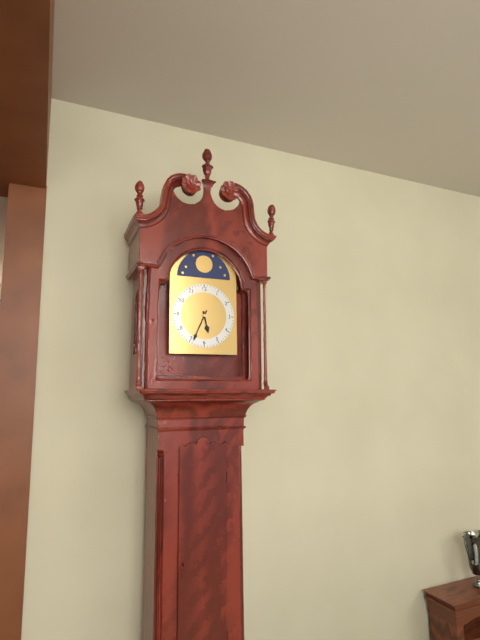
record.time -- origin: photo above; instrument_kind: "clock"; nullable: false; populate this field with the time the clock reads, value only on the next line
5:34
